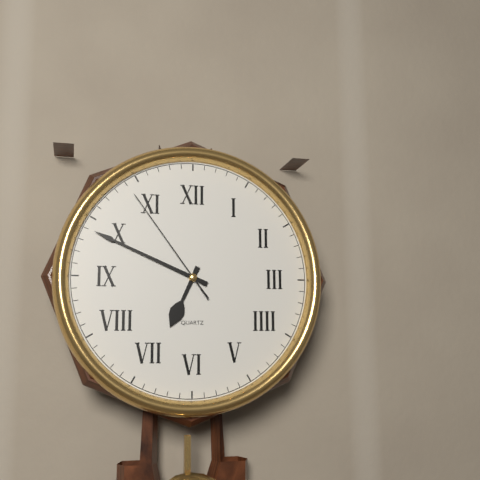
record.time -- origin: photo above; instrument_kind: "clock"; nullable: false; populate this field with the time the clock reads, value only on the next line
6:49:54
